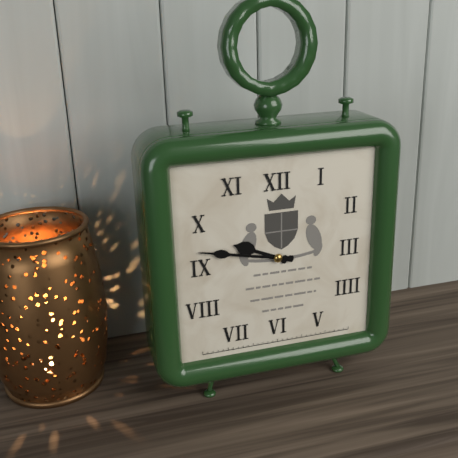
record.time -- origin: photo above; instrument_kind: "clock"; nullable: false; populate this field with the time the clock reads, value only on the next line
9:47
